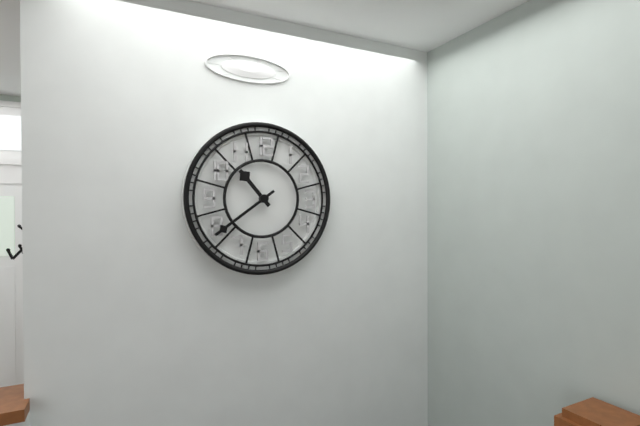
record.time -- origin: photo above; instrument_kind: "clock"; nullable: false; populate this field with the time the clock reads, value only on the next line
10:39
